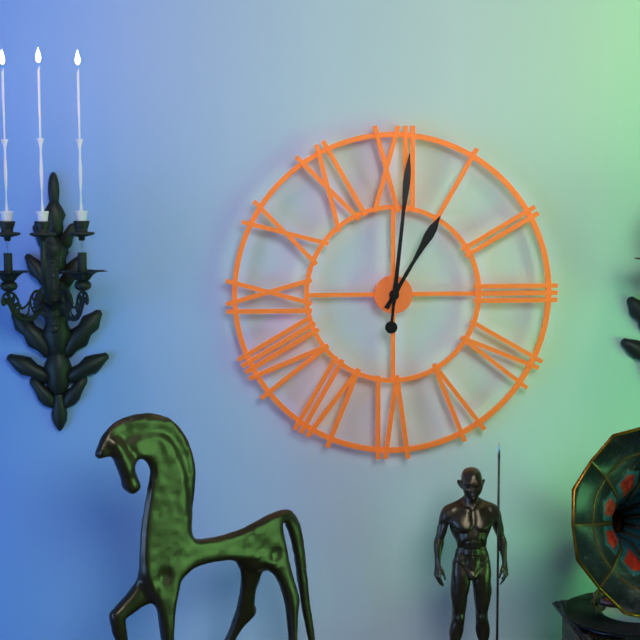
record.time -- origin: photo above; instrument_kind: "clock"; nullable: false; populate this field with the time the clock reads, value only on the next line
1:01
